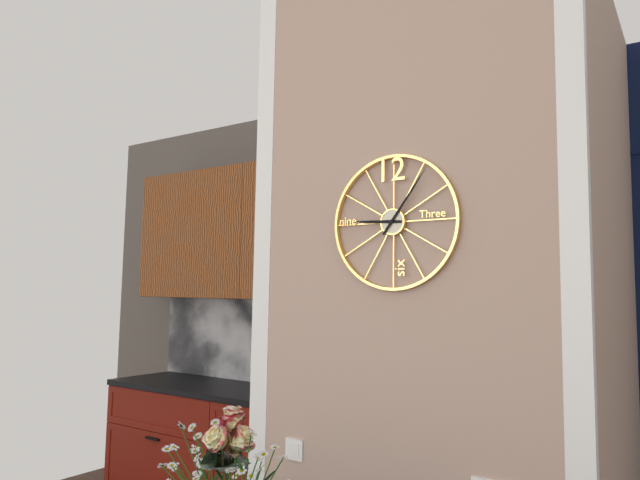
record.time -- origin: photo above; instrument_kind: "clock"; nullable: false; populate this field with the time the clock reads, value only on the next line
9:06
